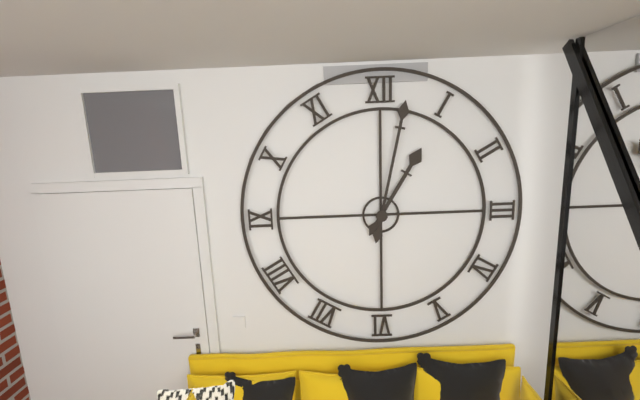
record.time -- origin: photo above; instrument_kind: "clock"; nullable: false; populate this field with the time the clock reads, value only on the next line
1:02
